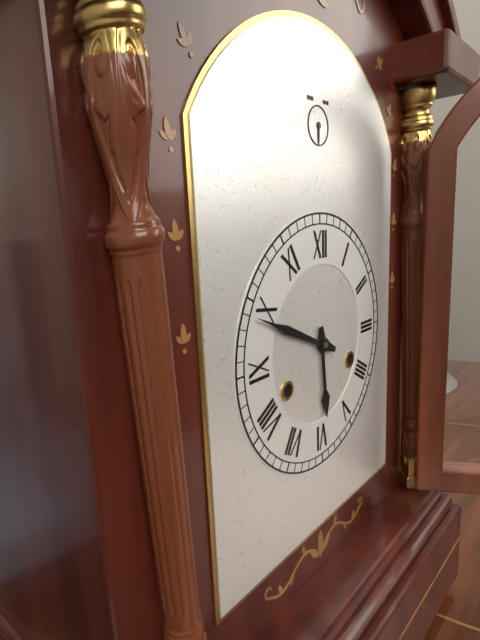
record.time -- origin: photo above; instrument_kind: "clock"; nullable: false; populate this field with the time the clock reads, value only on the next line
5:49
